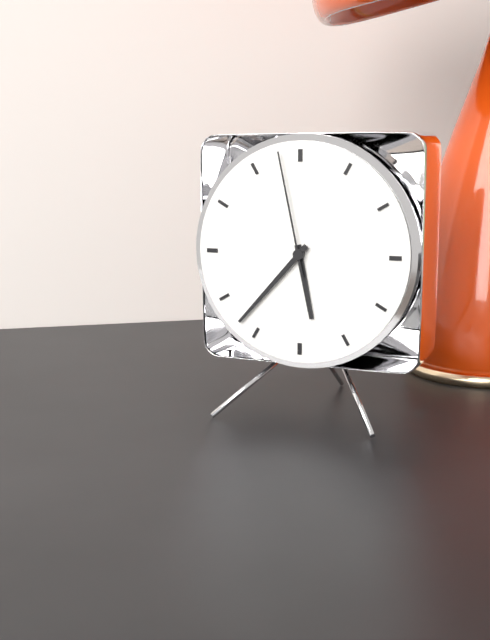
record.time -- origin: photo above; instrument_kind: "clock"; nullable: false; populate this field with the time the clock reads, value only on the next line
5:37:58
